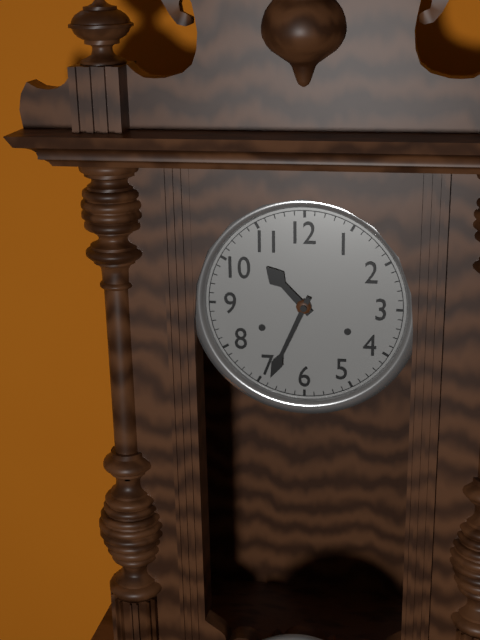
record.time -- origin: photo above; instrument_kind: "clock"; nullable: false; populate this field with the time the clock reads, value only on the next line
10:34
